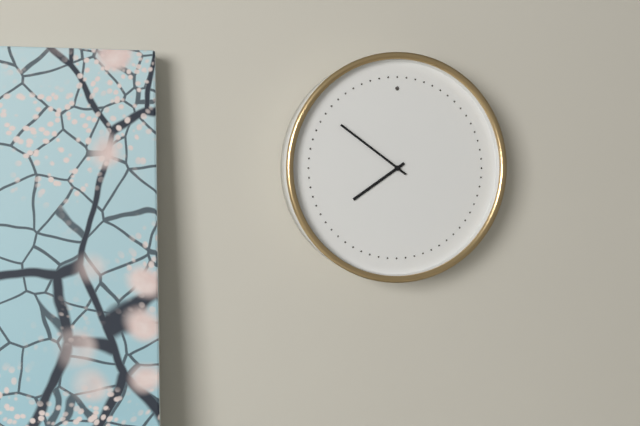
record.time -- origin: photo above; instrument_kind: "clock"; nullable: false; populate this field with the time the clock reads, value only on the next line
7:51
